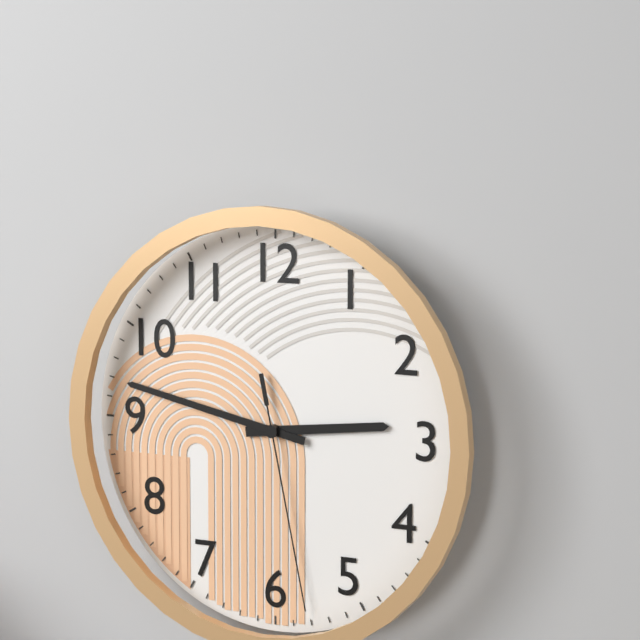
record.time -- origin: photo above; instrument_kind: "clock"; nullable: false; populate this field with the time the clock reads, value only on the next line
2:47:28
